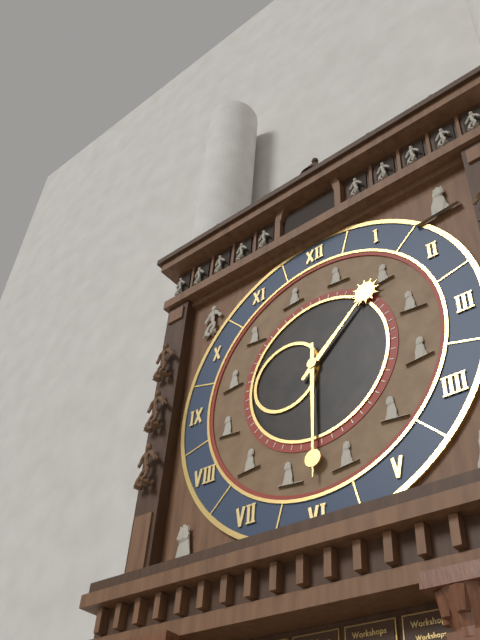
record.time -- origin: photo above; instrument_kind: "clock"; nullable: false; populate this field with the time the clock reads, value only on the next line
1:30
